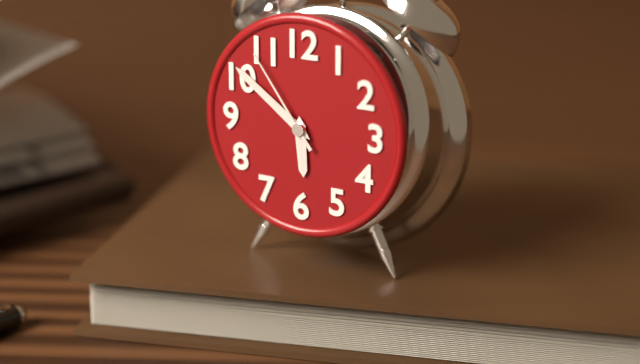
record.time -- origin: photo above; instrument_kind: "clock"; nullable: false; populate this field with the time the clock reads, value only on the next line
5:51:54
